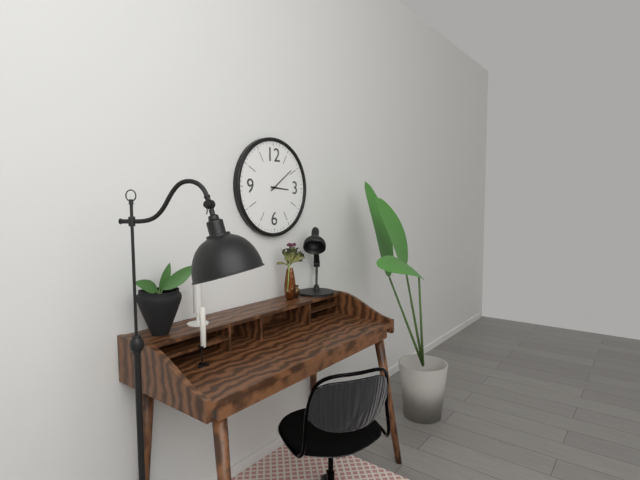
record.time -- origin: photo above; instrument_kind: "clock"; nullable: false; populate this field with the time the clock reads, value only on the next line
3:09
